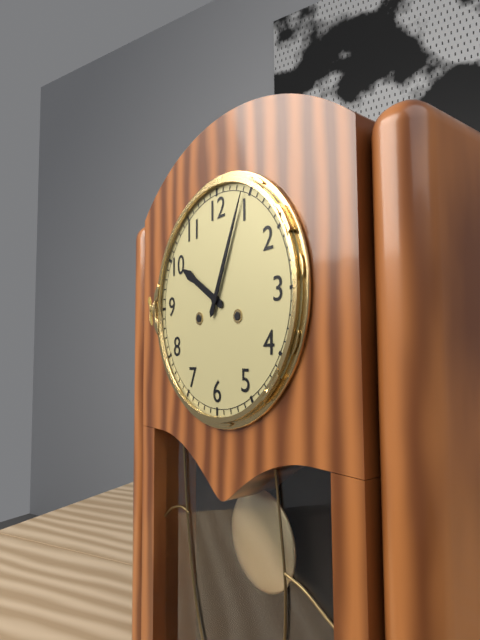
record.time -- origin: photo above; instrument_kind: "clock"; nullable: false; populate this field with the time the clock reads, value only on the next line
10:04
